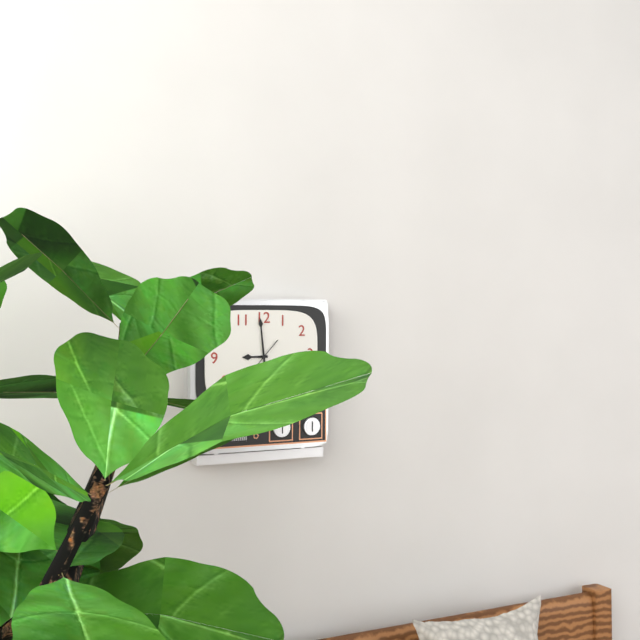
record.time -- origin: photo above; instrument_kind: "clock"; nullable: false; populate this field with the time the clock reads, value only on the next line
8:59
